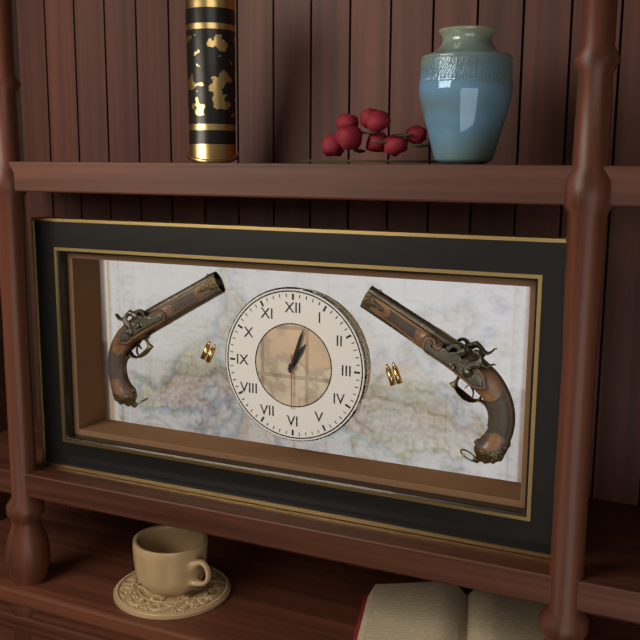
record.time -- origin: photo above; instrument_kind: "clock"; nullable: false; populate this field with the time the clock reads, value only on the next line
1:03:30
